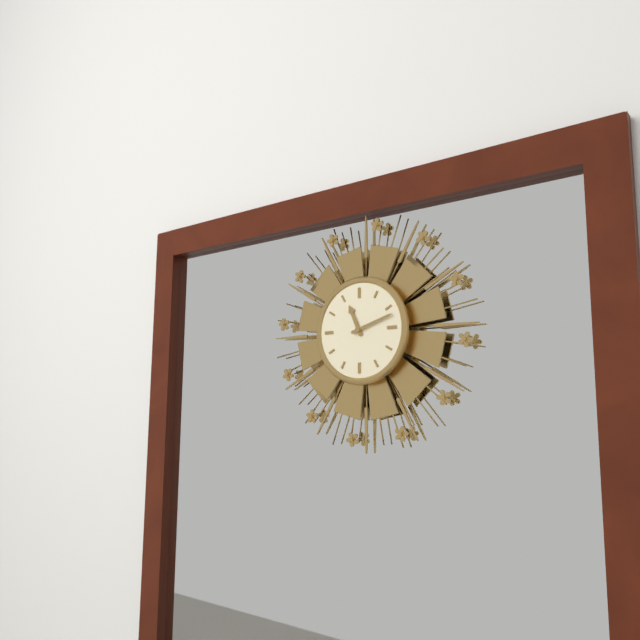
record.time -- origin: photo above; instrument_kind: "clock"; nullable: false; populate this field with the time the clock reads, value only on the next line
11:12
